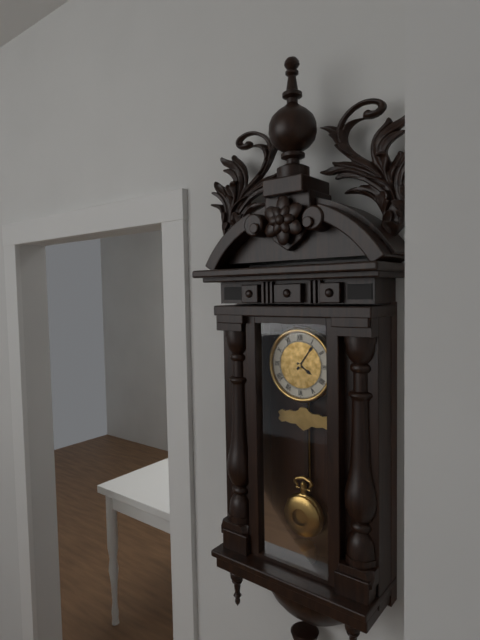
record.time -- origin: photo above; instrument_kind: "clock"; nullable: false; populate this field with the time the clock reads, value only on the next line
4:06
